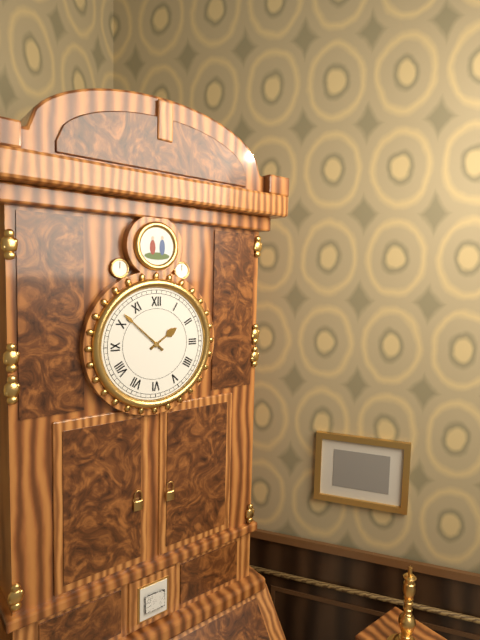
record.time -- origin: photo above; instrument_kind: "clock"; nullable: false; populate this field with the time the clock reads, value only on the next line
1:52
